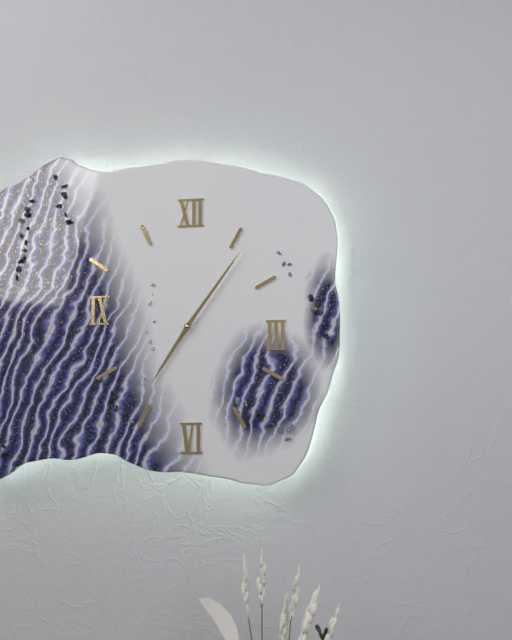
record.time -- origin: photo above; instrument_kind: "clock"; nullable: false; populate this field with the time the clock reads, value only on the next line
7:06
